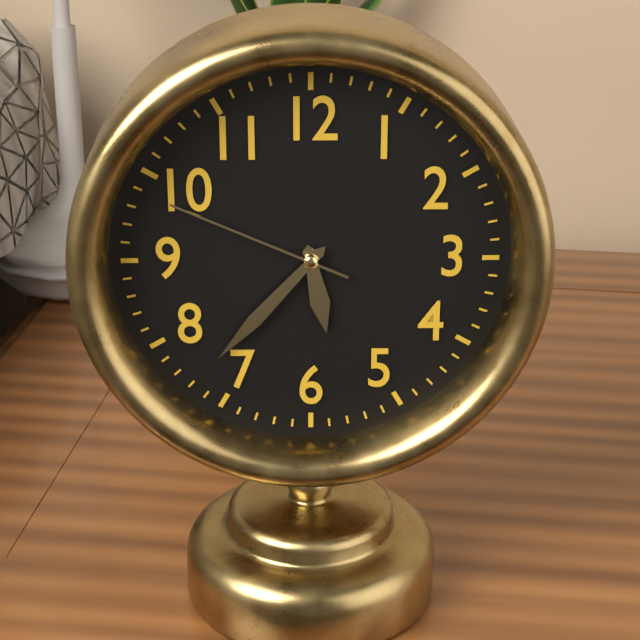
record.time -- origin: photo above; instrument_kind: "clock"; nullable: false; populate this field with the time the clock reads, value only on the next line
5:37:49
